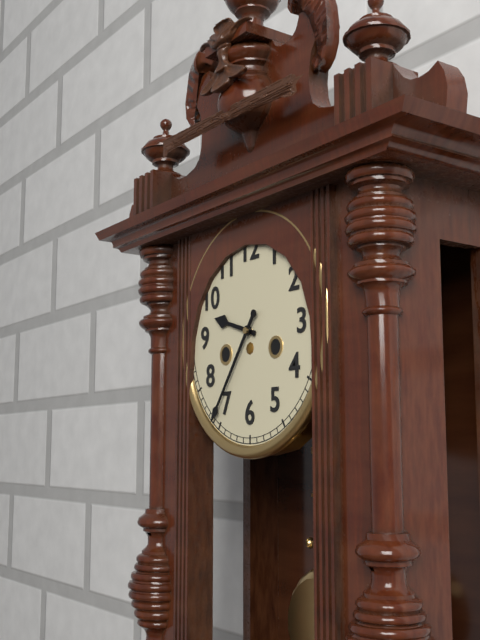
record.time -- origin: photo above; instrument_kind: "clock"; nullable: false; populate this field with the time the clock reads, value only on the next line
9:36
